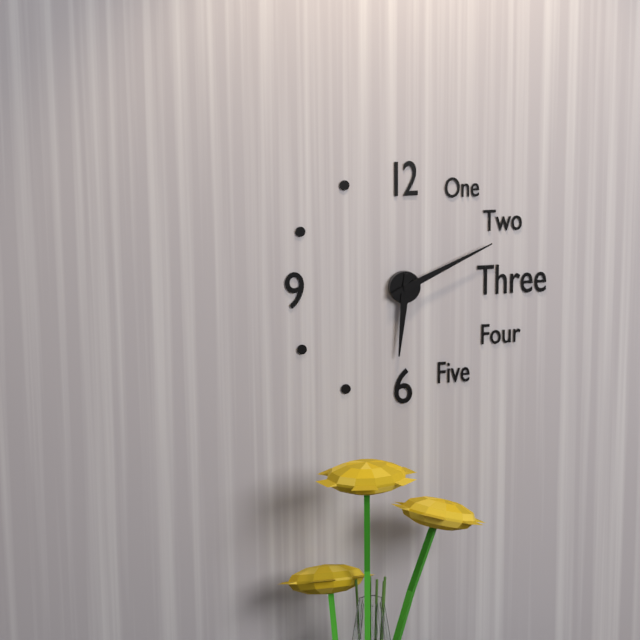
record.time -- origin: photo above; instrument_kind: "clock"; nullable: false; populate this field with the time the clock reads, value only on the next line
6:11
